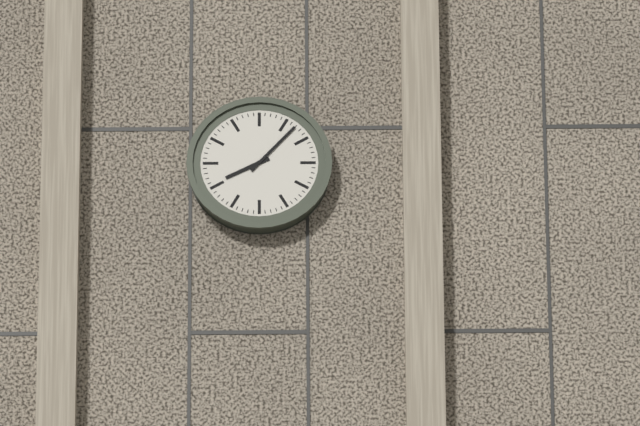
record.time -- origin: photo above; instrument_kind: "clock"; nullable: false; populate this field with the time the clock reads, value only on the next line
8:07
